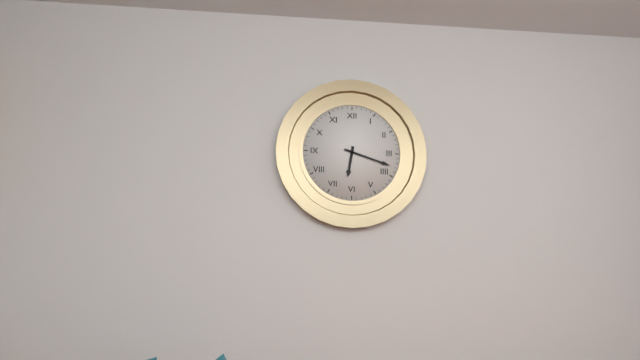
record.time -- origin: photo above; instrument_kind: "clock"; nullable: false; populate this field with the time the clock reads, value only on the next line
6:18
